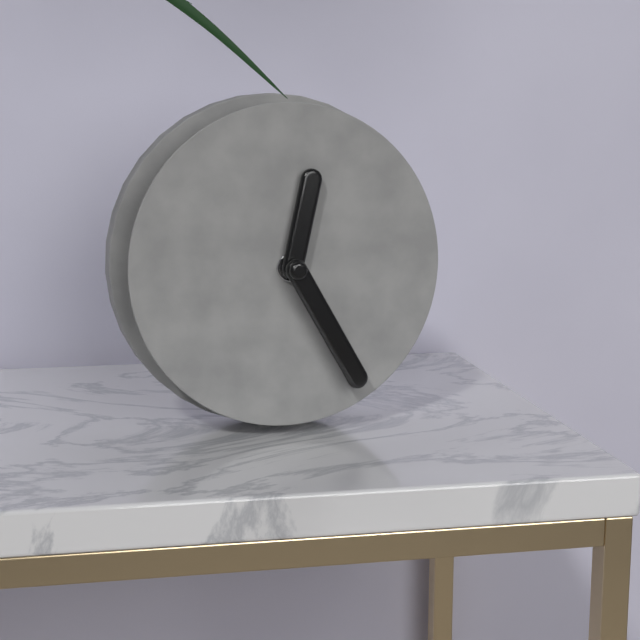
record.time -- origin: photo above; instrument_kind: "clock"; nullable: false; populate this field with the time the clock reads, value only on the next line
12:25
